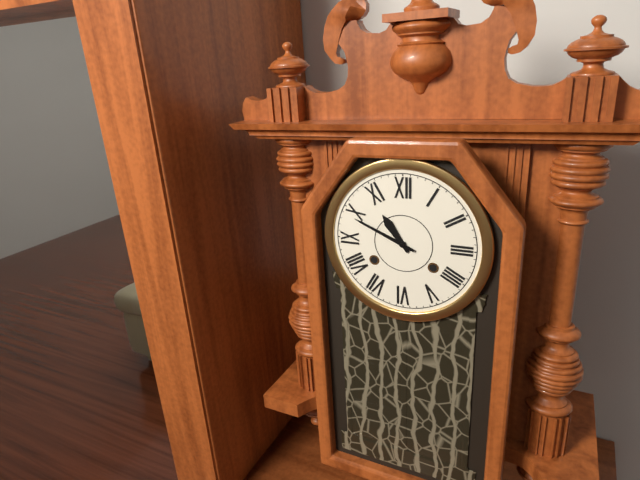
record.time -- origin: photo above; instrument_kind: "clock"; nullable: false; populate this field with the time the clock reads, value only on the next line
10:49
